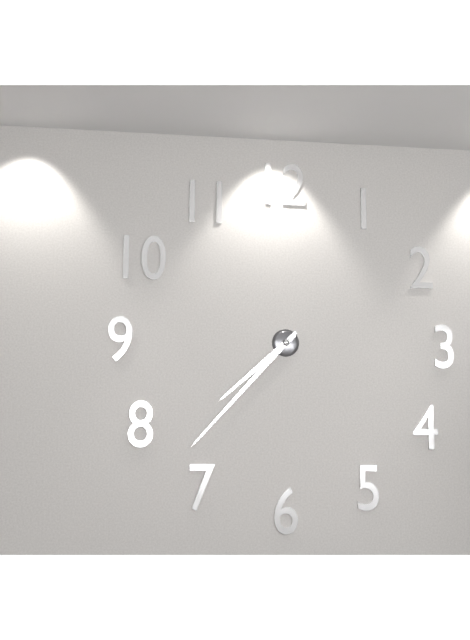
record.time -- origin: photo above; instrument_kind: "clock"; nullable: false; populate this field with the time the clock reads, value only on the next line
7:37
